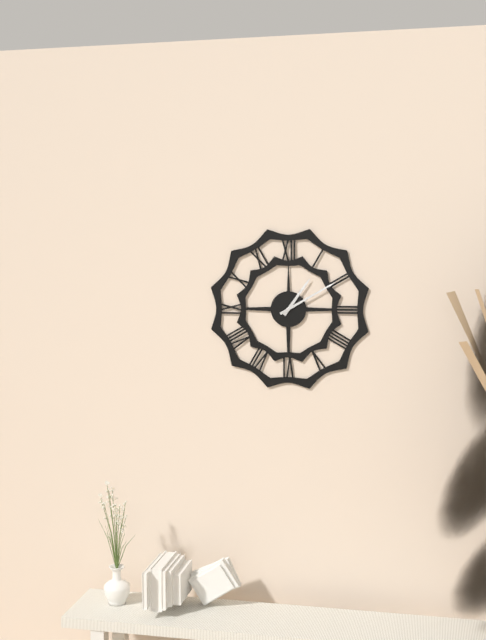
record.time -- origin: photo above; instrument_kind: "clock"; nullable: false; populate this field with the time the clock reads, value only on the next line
1:10
